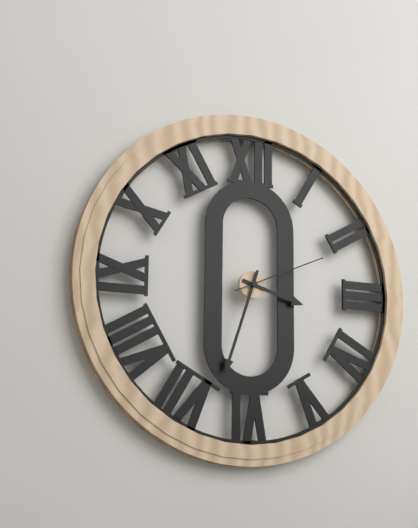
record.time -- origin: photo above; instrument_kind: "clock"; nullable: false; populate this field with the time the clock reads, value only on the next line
3:33:11
